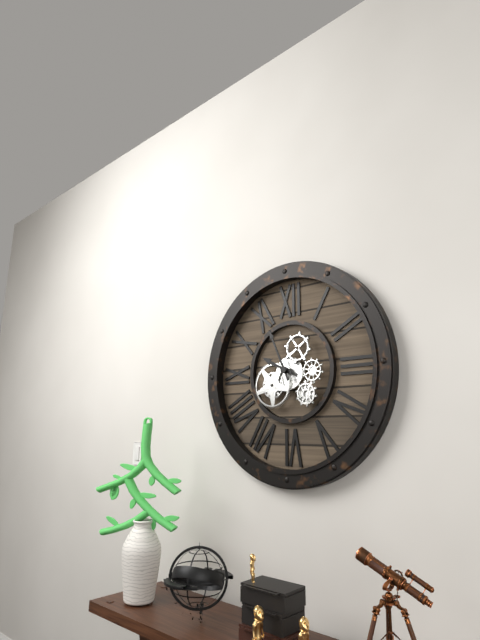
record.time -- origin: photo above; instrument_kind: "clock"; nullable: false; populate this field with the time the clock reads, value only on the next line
9:56
